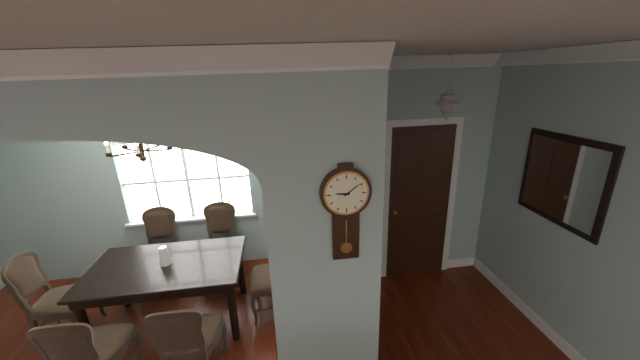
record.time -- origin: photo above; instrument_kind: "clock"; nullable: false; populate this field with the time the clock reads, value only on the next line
9:09
